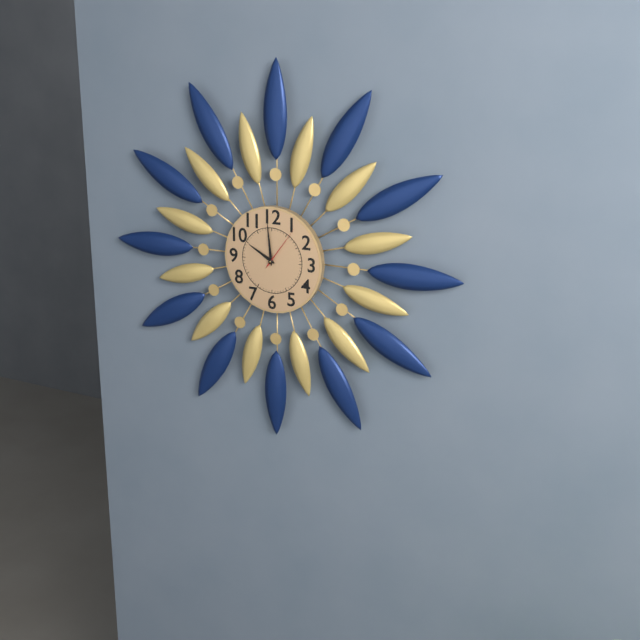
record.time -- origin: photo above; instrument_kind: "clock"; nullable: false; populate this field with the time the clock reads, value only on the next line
9:59:06
